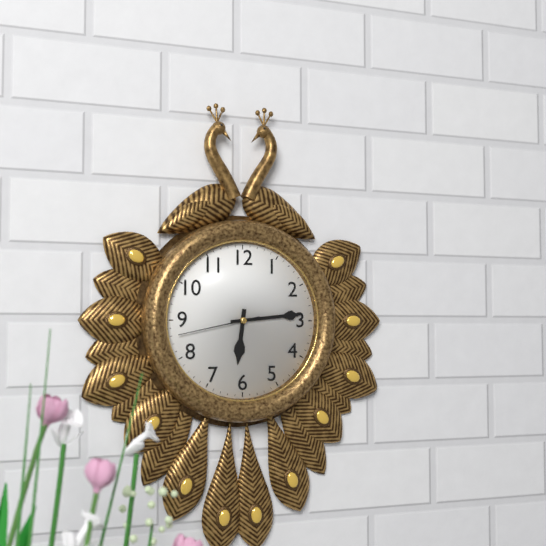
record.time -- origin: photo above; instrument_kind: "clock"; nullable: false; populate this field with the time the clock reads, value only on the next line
6:14:43
